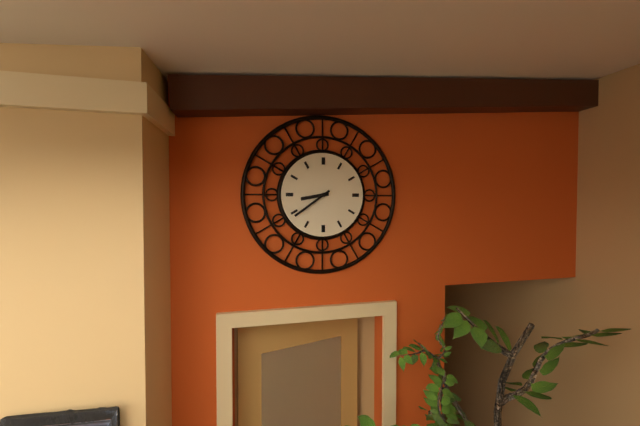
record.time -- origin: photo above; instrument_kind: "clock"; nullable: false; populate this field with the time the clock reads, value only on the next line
8:39
